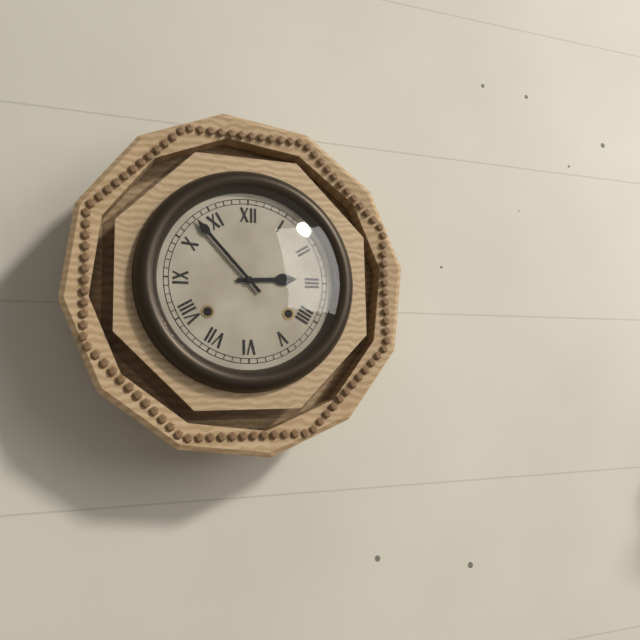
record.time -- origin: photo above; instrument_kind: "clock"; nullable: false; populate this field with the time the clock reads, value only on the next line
2:53
